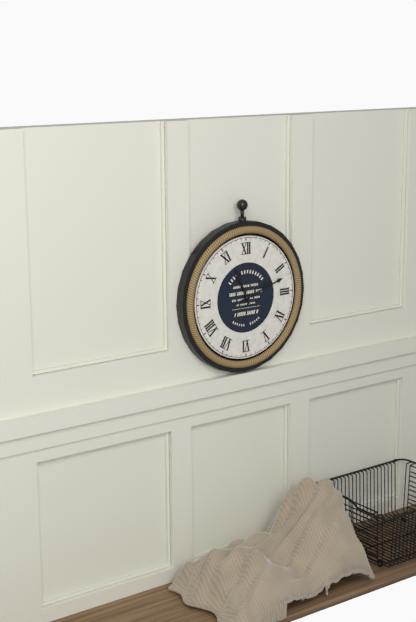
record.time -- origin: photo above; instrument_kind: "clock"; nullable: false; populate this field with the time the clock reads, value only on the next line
11:12
